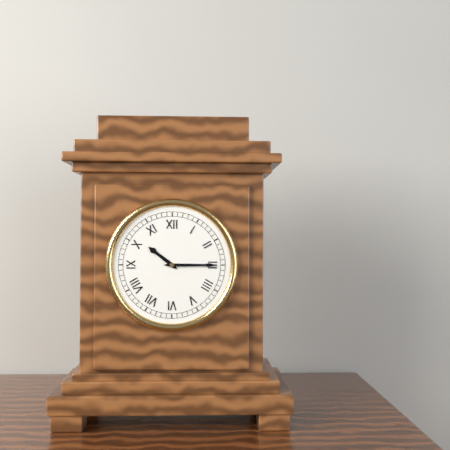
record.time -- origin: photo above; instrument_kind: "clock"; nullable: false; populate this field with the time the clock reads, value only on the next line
10:15
